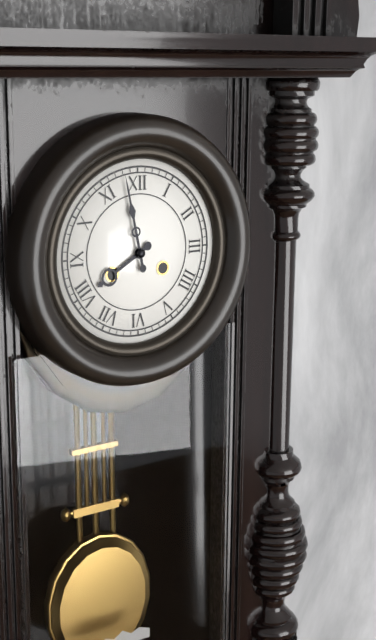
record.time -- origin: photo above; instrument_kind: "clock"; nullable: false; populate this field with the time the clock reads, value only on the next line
7:58
